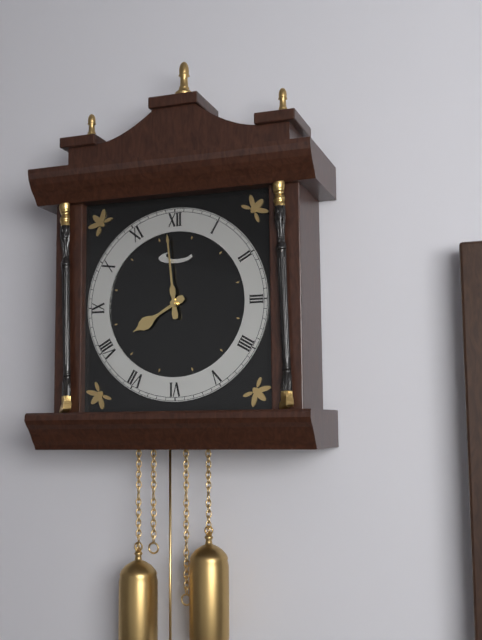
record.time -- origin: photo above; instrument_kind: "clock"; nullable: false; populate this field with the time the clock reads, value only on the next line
7:59
